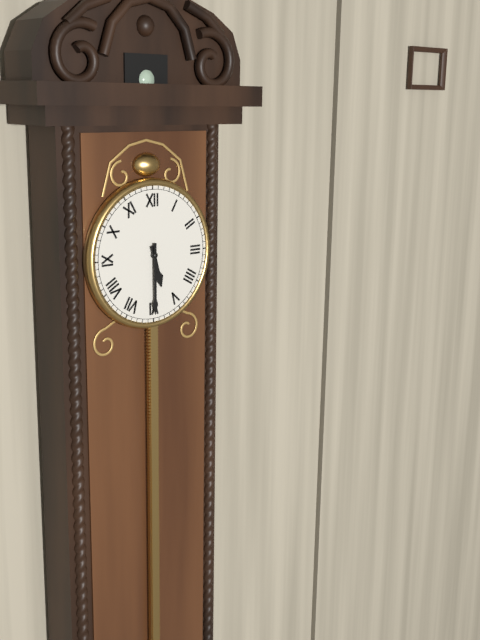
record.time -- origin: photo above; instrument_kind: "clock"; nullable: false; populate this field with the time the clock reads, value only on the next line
5:30
